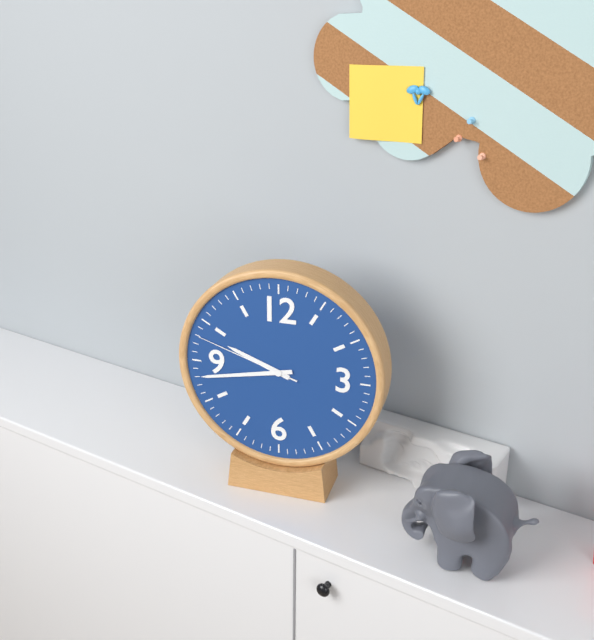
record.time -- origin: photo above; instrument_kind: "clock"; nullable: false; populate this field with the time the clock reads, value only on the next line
9:43:48
